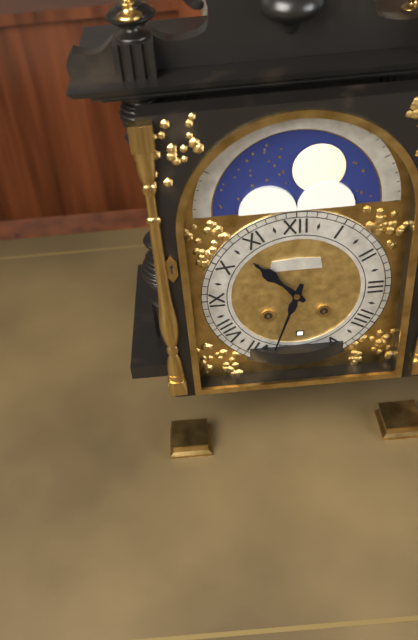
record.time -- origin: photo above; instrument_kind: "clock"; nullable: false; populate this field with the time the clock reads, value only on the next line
10:33
